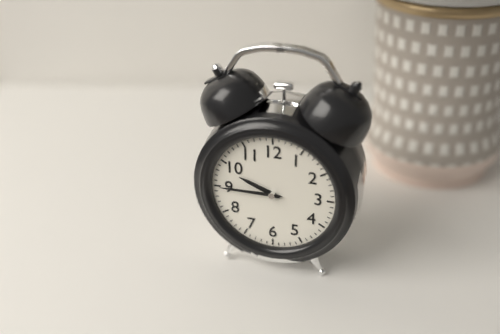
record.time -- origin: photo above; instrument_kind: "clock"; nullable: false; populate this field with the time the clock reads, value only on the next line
9:45
